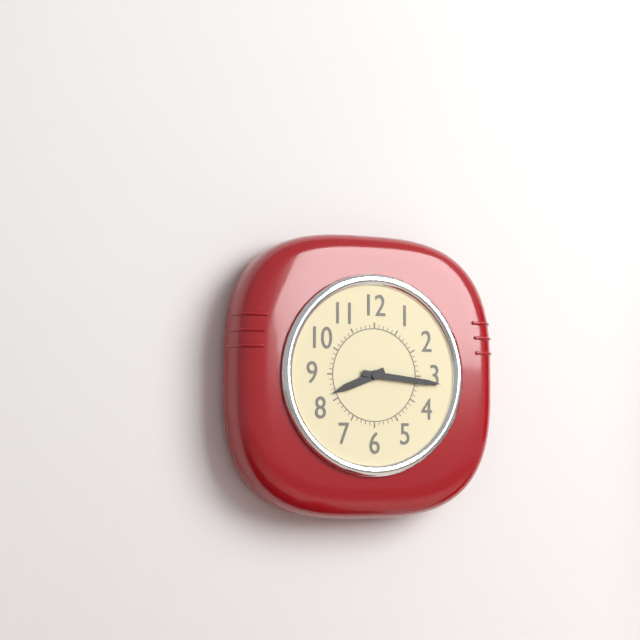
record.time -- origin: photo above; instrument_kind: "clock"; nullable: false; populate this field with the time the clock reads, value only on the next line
8:16
